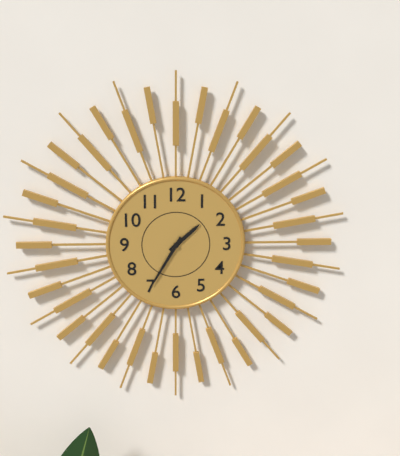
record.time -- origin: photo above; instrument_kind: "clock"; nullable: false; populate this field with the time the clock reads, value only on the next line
1:35
